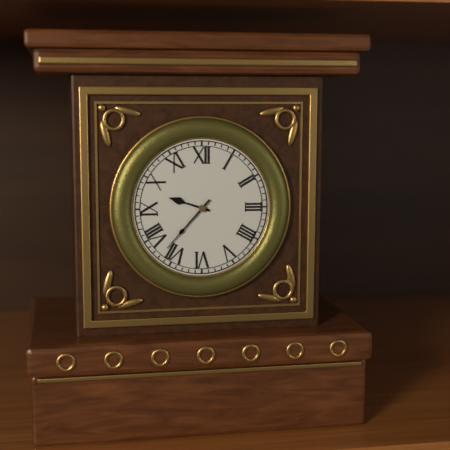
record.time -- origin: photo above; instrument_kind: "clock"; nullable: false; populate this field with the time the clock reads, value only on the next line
9:37
